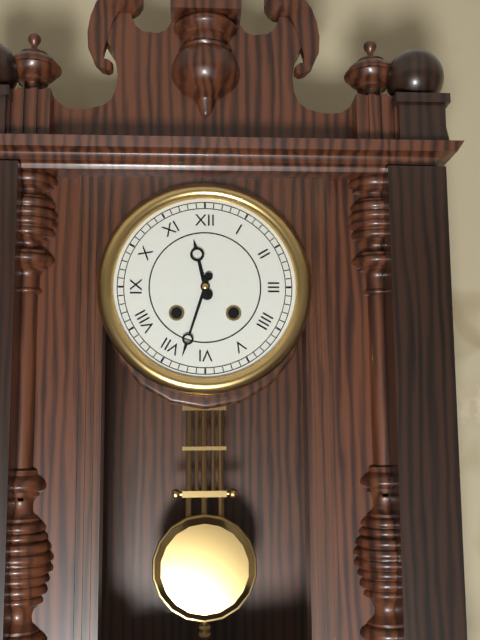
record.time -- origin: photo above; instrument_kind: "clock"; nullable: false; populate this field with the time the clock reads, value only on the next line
11:33
